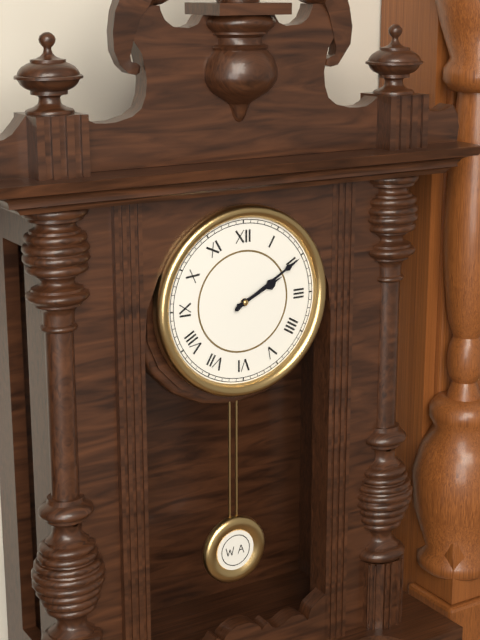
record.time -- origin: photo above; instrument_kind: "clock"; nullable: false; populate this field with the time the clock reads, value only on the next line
2:10
